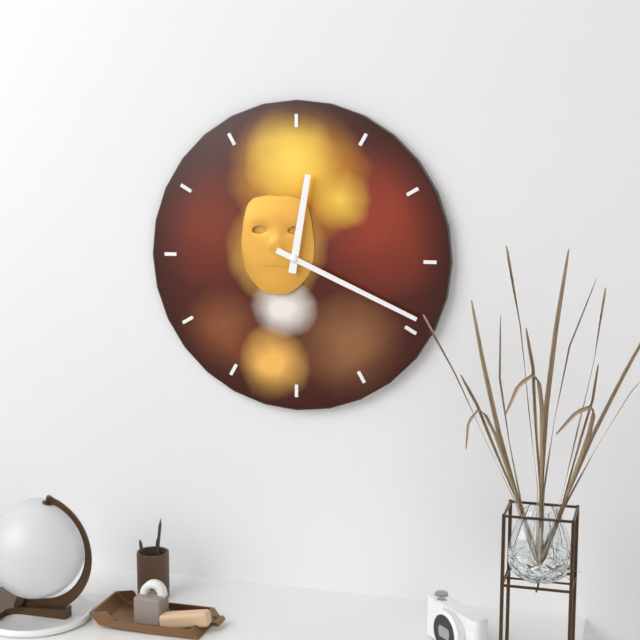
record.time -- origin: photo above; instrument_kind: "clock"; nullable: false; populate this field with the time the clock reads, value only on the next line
12:19
